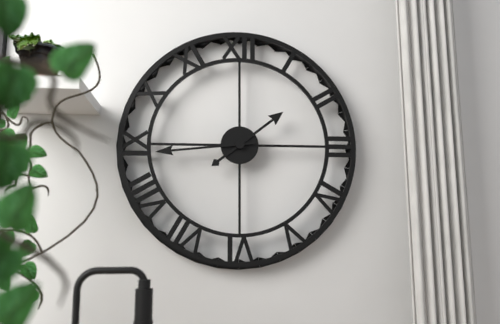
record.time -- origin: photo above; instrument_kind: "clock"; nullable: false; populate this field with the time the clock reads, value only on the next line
1:44
